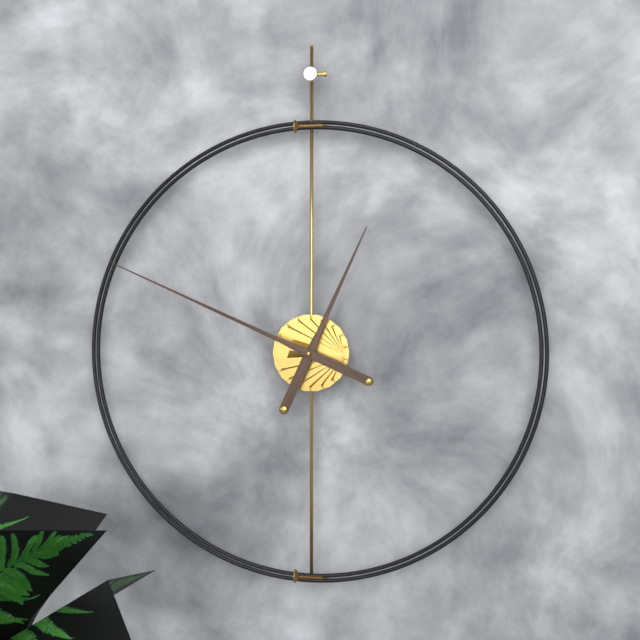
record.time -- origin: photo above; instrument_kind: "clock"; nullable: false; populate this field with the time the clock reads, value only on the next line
12:49
